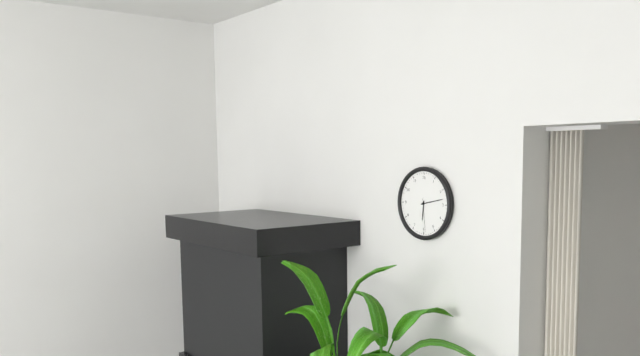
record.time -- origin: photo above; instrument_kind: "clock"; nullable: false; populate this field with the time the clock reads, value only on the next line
6:13
